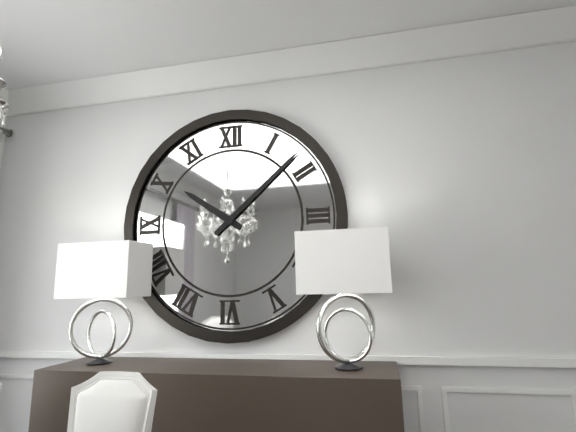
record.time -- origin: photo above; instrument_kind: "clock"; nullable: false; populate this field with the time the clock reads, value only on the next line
10:08
